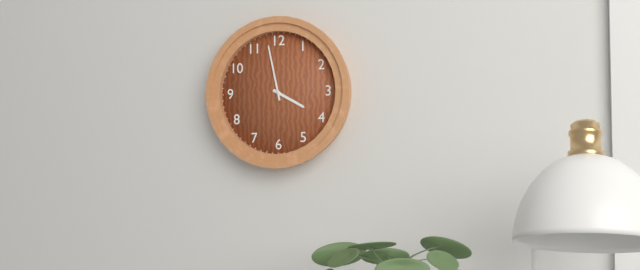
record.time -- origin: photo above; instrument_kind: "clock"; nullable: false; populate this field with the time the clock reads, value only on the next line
3:58
